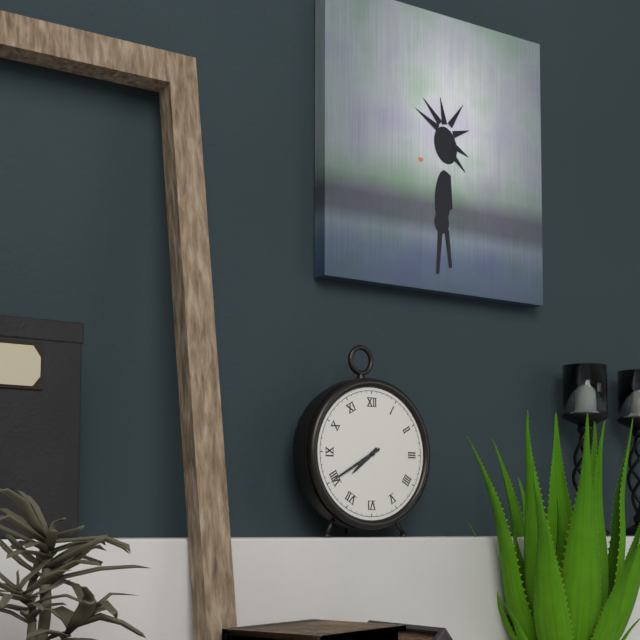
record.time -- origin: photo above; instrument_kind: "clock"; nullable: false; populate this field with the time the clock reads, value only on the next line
7:40
